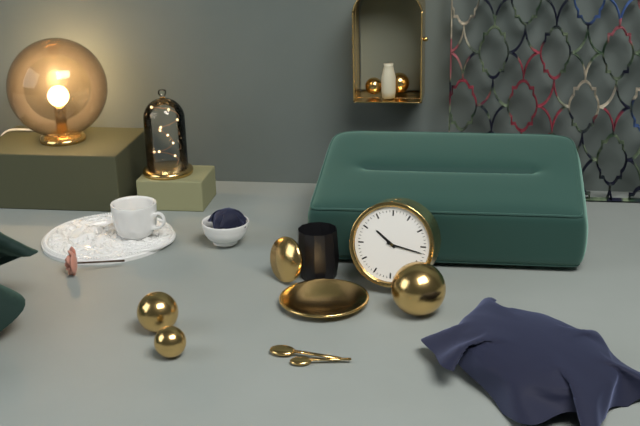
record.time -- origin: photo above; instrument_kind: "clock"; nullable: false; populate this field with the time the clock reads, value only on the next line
10:17
